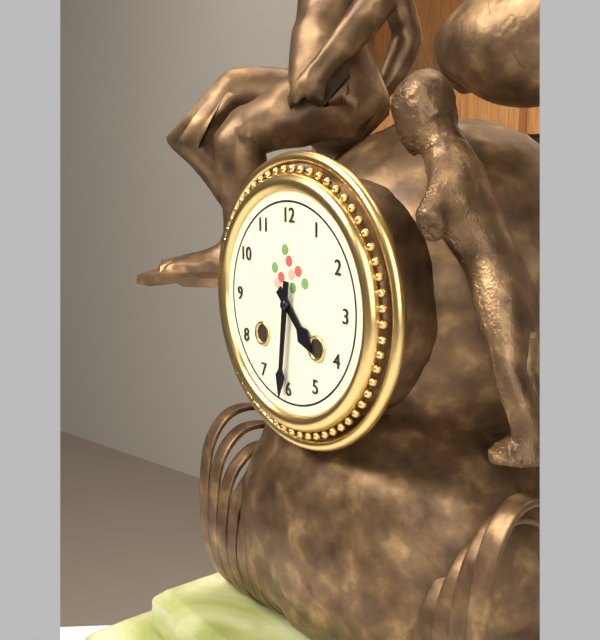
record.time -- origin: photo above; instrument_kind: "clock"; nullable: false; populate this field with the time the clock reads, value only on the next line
4:31
